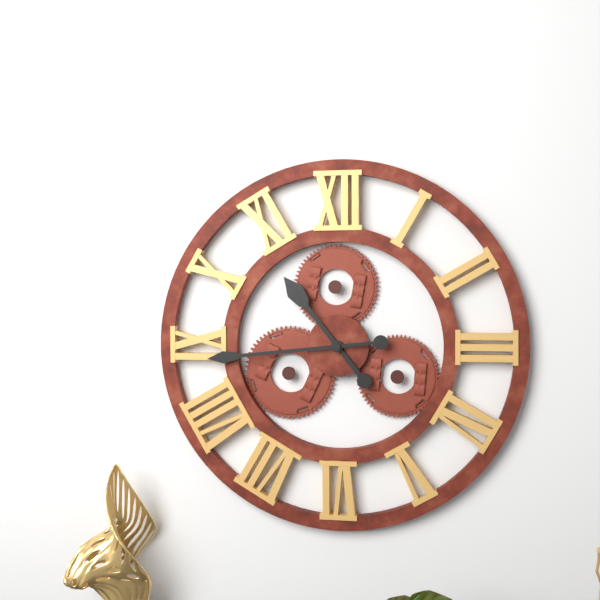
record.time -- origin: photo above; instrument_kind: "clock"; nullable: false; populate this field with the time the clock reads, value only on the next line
10:44
